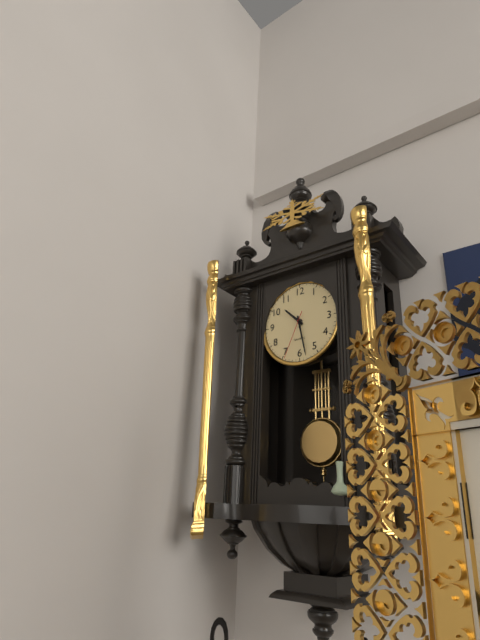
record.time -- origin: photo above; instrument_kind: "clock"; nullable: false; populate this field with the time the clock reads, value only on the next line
10:28:34
